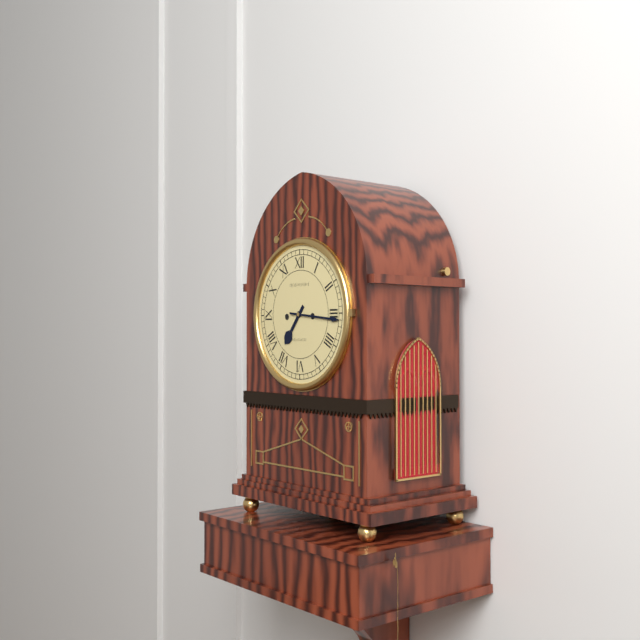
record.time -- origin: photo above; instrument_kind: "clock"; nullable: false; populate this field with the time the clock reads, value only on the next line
7:16
